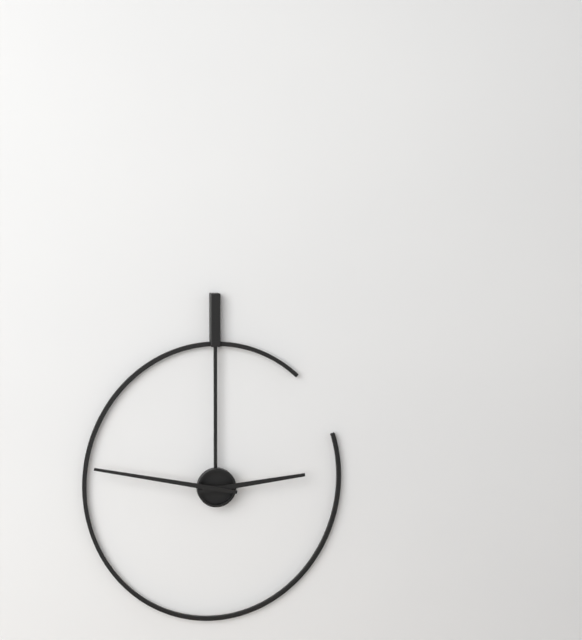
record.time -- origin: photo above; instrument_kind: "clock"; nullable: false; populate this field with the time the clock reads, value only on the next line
2:47
